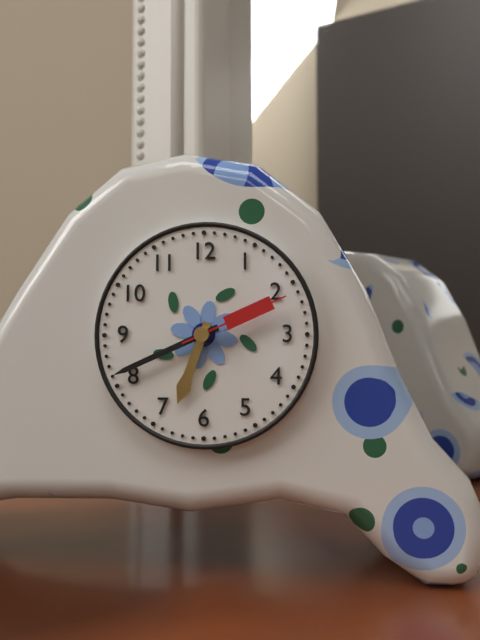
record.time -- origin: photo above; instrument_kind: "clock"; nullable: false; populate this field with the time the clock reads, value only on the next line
6:41:11
